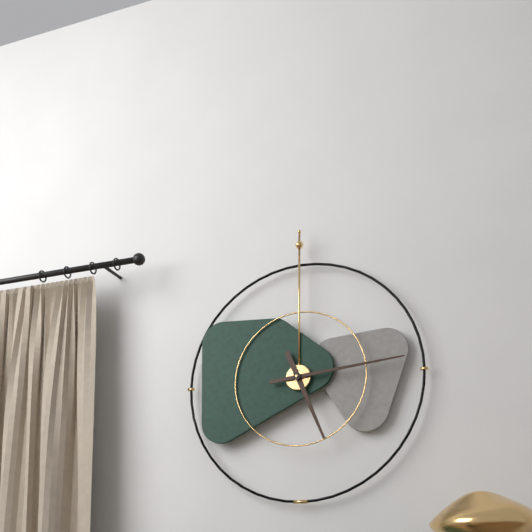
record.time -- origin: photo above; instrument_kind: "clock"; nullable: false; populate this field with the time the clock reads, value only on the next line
5:14
